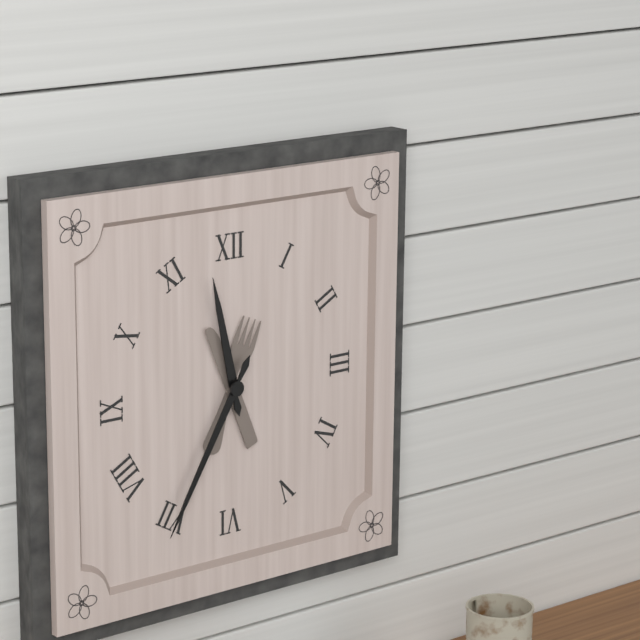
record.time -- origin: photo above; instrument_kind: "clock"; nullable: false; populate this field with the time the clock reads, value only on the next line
11:35
